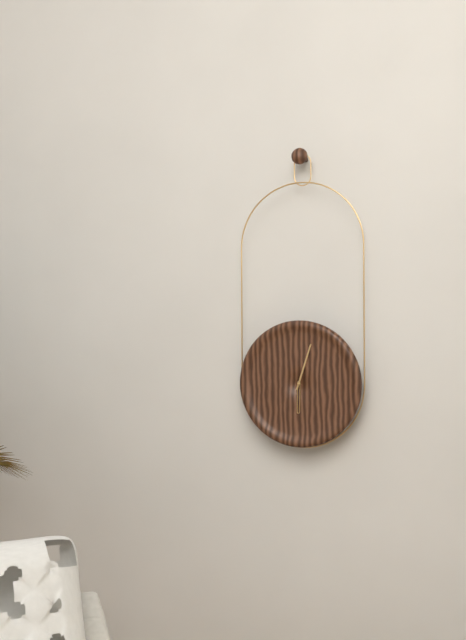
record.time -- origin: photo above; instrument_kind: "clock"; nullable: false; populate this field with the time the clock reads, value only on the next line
6:03
